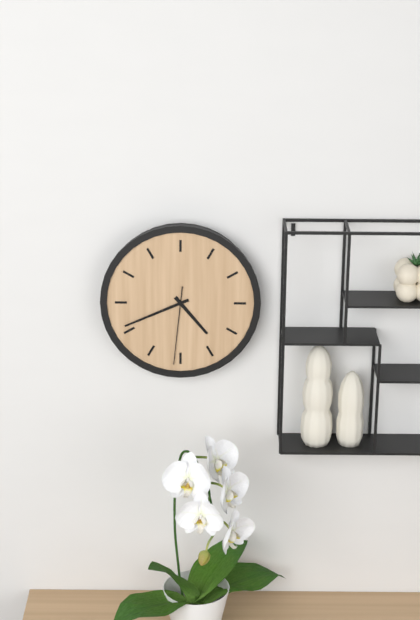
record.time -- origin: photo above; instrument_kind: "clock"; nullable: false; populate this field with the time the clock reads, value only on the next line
4:41:31
